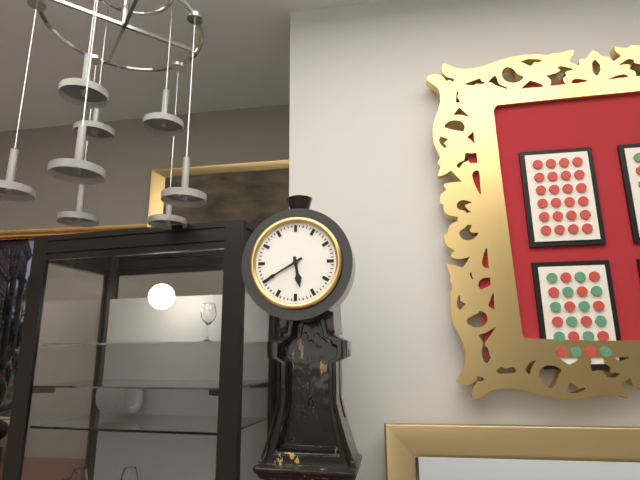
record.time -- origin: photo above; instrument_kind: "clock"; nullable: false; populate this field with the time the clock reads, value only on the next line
5:40
